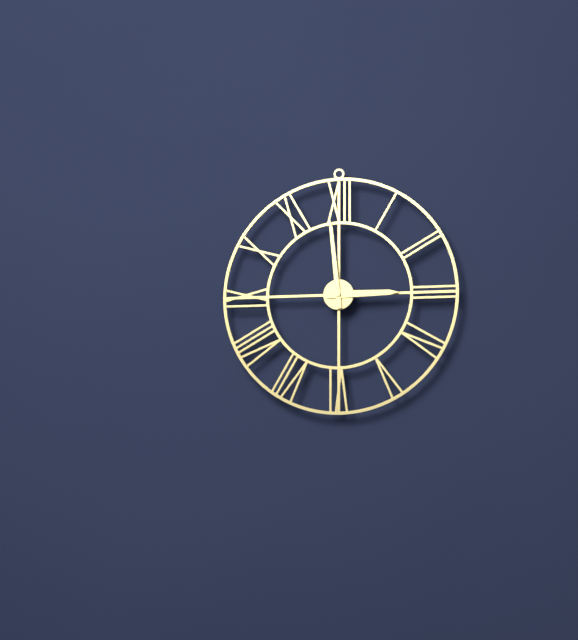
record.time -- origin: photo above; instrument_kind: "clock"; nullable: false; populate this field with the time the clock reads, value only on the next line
2:59
